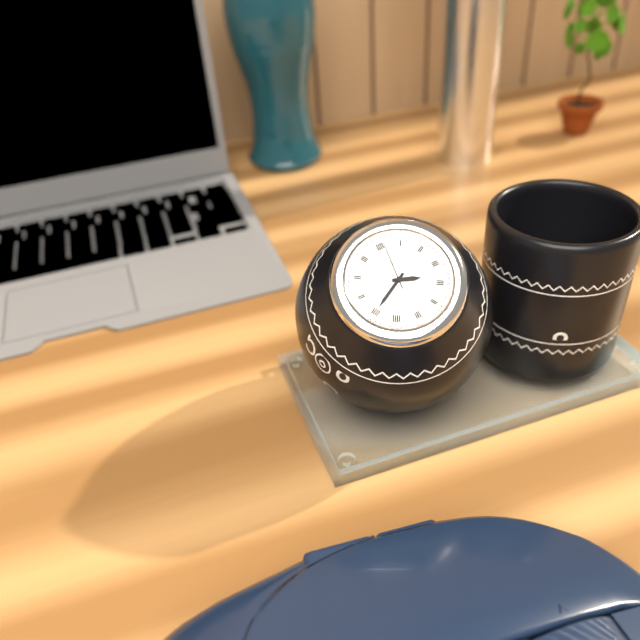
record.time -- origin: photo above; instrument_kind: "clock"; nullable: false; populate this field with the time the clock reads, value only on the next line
3:40:01
